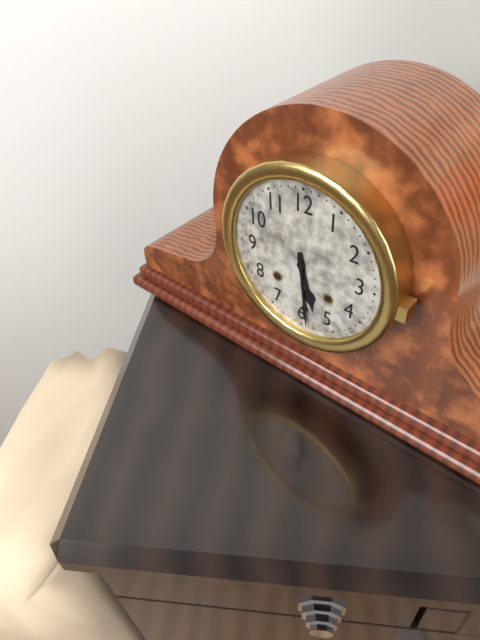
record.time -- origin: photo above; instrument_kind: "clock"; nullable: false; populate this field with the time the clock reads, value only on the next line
5:29
